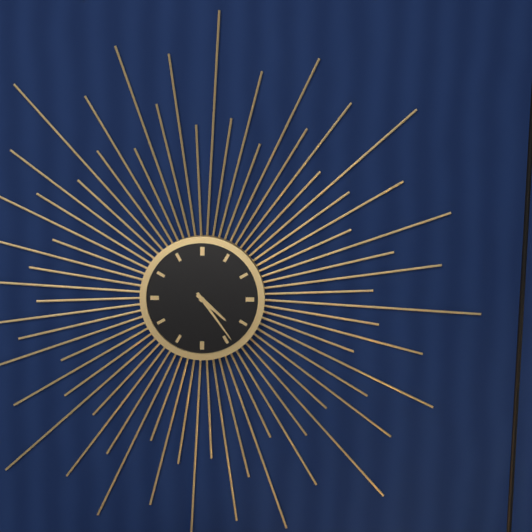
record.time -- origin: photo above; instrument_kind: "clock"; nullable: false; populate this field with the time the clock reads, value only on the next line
4:24
